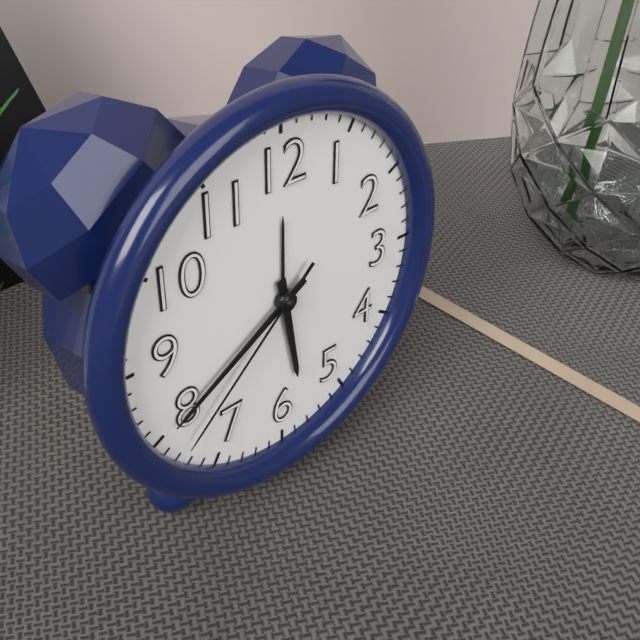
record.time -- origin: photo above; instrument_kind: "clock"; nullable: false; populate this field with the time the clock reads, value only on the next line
5:40:38
